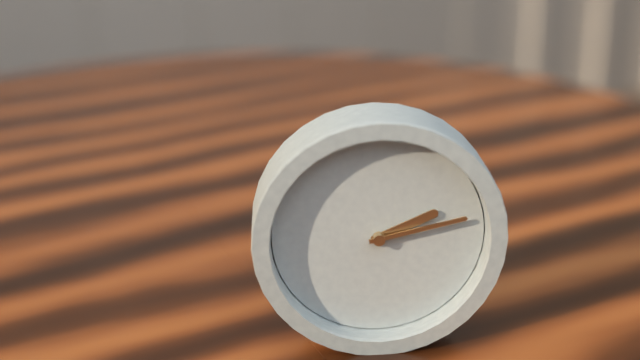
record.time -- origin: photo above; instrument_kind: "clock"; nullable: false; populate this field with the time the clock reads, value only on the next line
2:13
